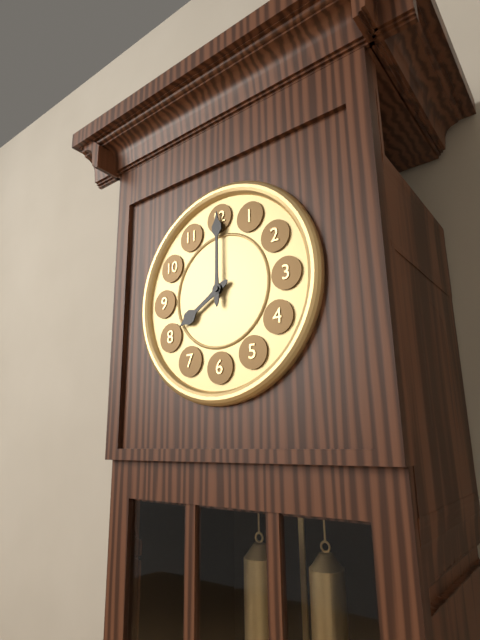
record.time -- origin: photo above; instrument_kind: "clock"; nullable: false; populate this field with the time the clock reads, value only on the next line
8:00
